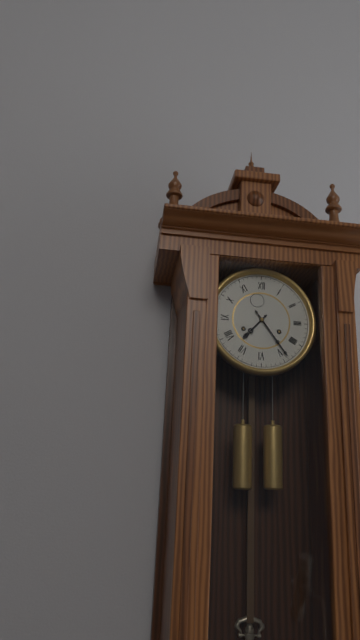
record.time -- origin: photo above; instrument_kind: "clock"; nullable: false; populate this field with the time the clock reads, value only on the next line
7:24
